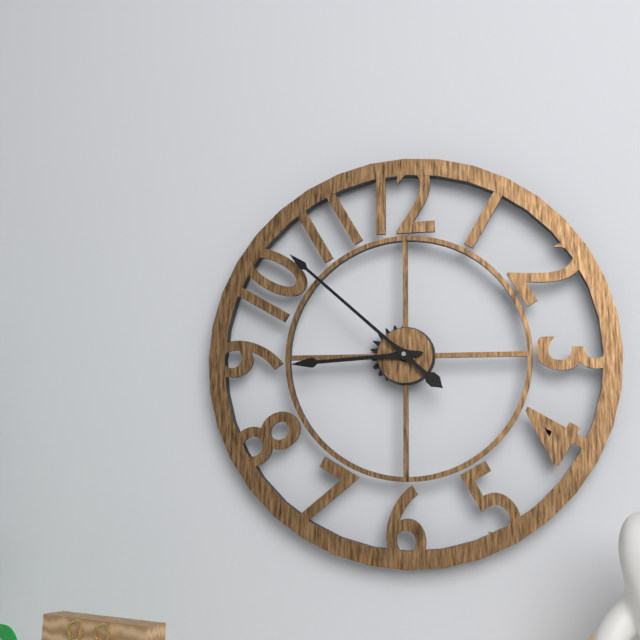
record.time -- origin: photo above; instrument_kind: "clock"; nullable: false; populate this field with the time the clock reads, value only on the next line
8:52
